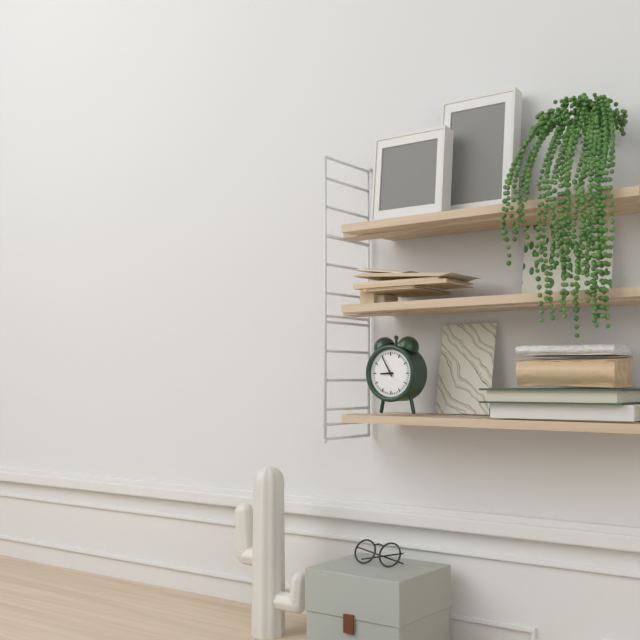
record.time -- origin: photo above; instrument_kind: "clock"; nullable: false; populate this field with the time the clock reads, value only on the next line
8:55
